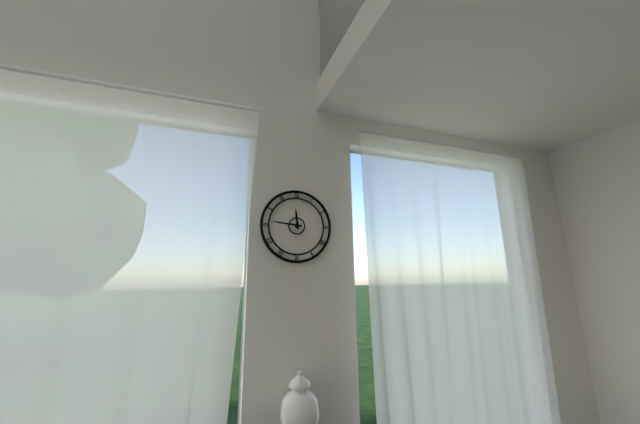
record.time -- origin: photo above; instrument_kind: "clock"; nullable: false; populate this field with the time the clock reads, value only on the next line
11:46
